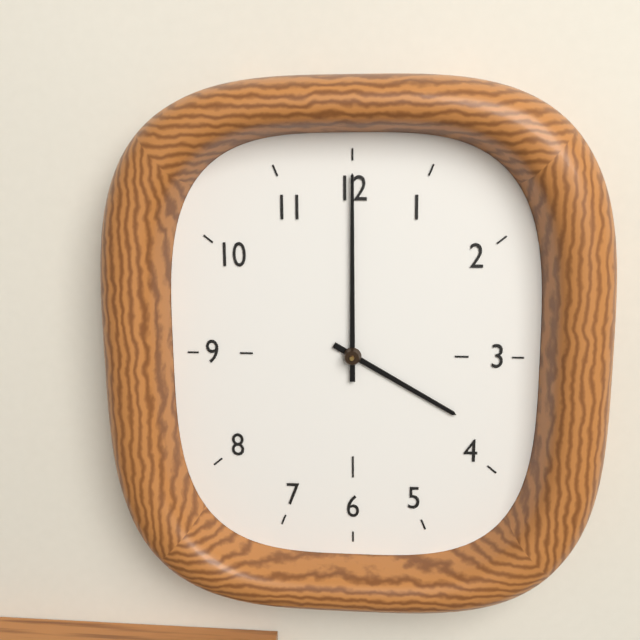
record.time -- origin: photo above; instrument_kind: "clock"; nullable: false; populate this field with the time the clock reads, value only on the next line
4:00
